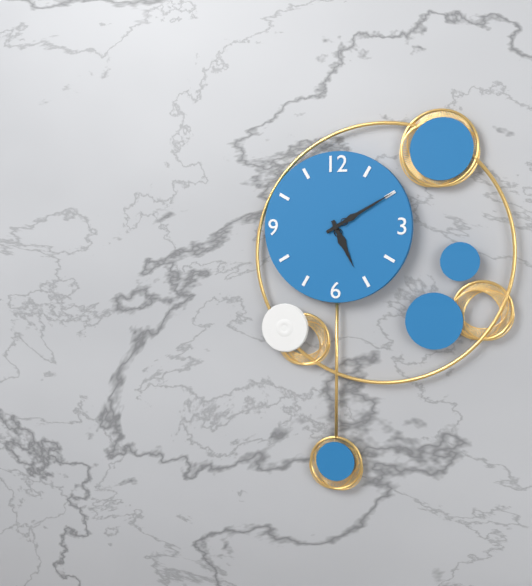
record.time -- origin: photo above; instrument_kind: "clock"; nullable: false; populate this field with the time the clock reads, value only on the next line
5:10
